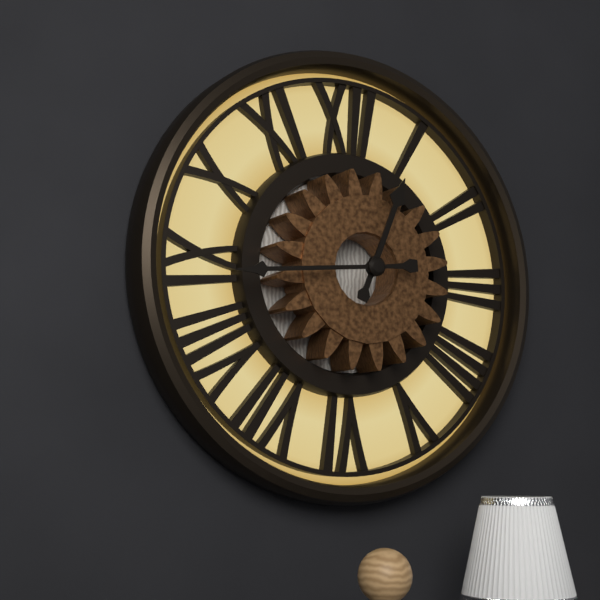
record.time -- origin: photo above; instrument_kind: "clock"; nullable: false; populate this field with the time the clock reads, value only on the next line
12:44
